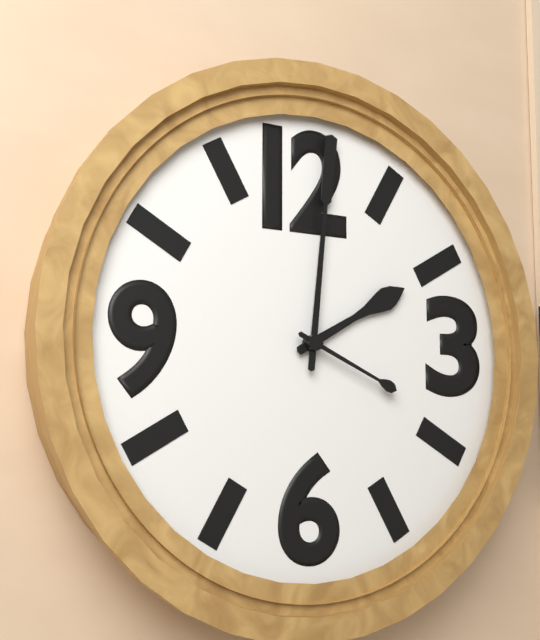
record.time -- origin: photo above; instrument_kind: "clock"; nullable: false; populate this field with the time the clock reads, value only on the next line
2:01:19
